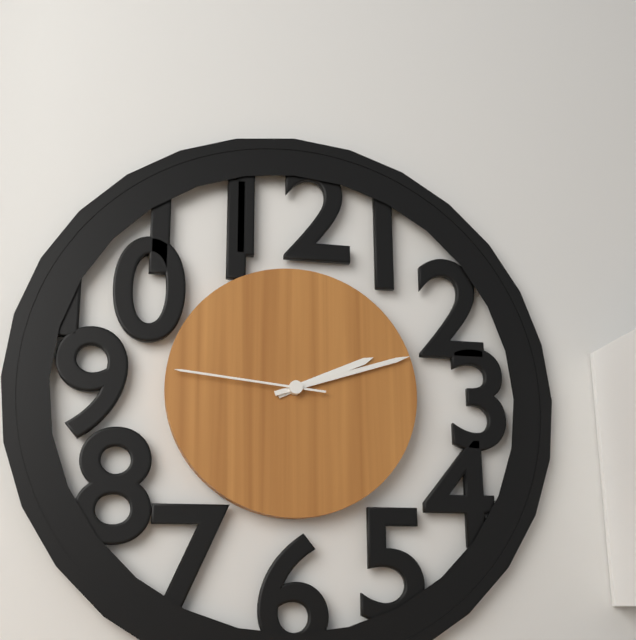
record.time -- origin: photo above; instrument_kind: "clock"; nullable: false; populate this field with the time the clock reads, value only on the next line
2:12:46
